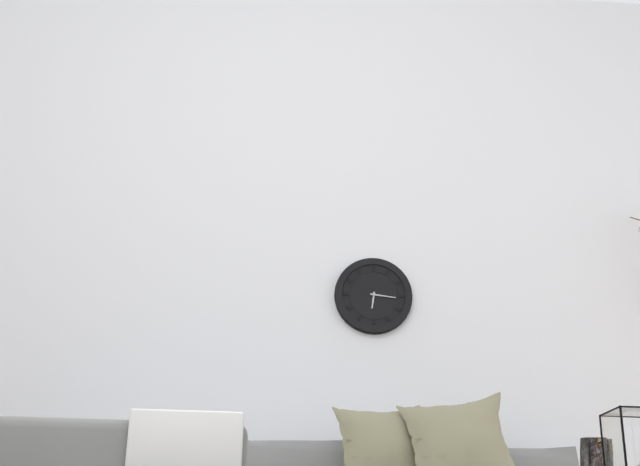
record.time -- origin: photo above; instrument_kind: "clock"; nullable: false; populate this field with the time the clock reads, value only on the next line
6:16
